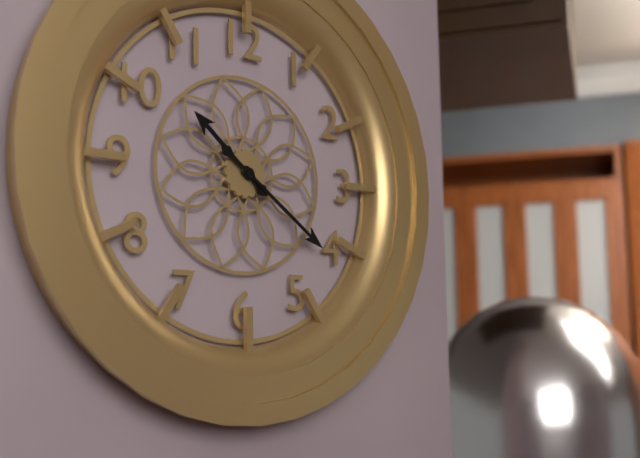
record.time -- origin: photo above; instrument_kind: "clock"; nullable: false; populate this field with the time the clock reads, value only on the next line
10:21
